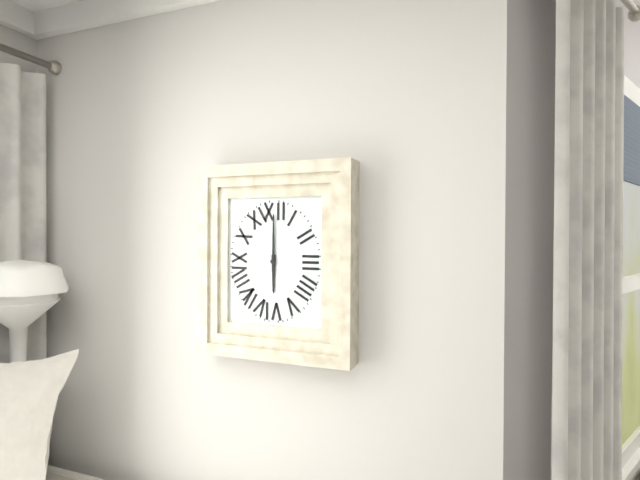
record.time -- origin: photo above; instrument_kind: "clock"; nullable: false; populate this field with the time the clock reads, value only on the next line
6:00
